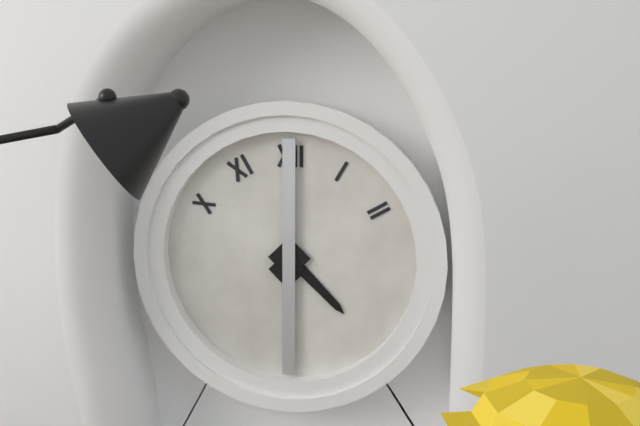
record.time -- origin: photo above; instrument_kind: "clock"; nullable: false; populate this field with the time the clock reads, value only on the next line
4:30
